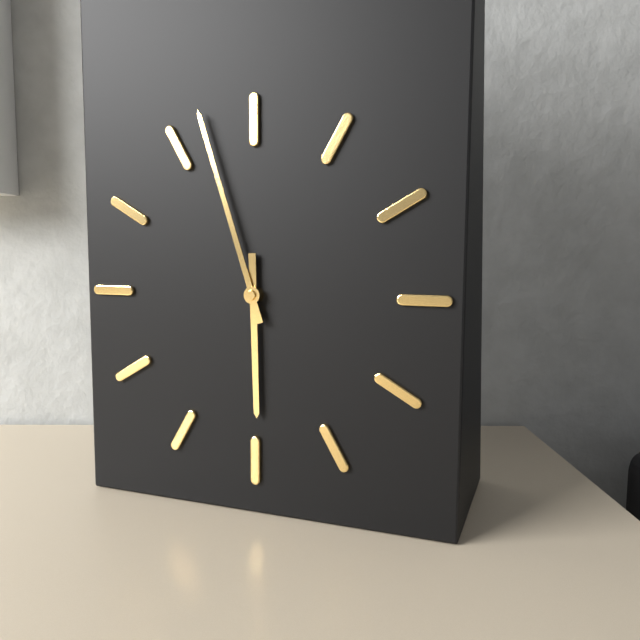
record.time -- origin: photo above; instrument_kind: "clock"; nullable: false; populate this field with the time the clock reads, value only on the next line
5:57
